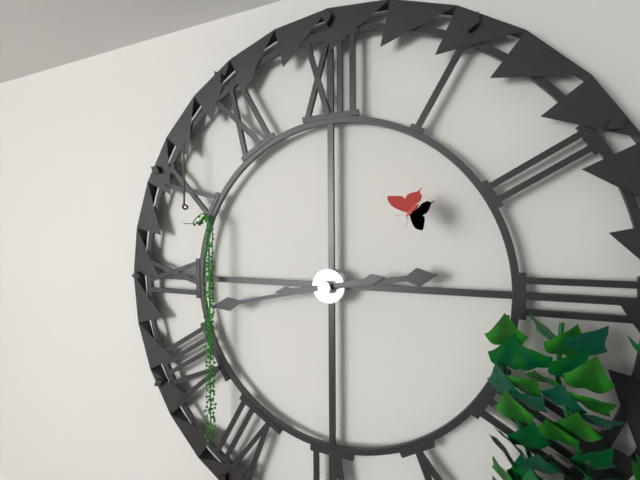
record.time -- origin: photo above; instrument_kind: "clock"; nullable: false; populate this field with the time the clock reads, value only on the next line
2:43
